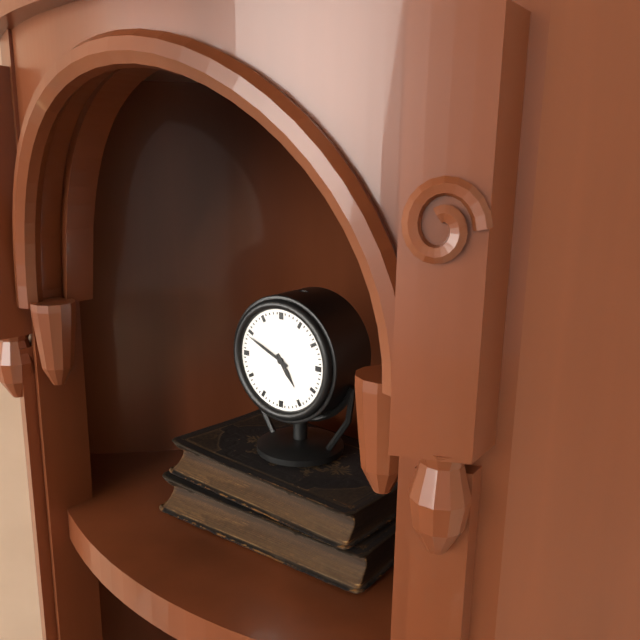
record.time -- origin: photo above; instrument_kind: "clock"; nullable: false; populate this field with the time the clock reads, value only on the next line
4:49
